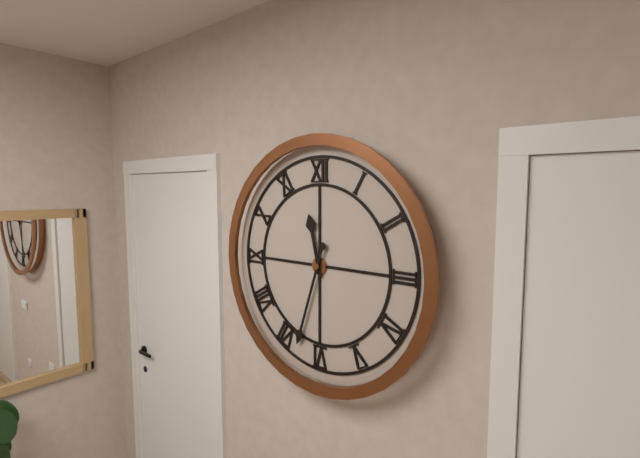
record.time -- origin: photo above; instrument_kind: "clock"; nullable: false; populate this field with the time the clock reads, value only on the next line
11:33
